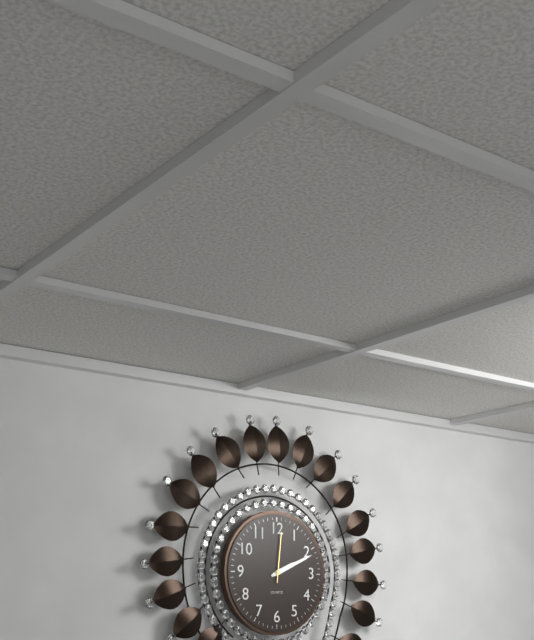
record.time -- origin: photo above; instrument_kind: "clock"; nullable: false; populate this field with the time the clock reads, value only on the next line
2:11:01
